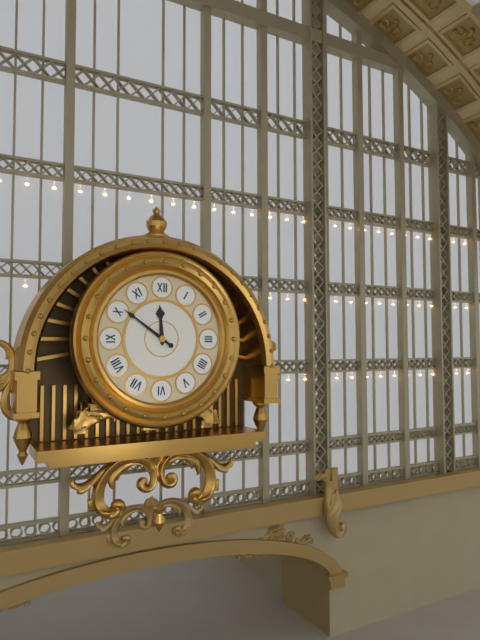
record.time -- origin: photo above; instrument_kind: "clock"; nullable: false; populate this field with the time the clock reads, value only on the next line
11:51
